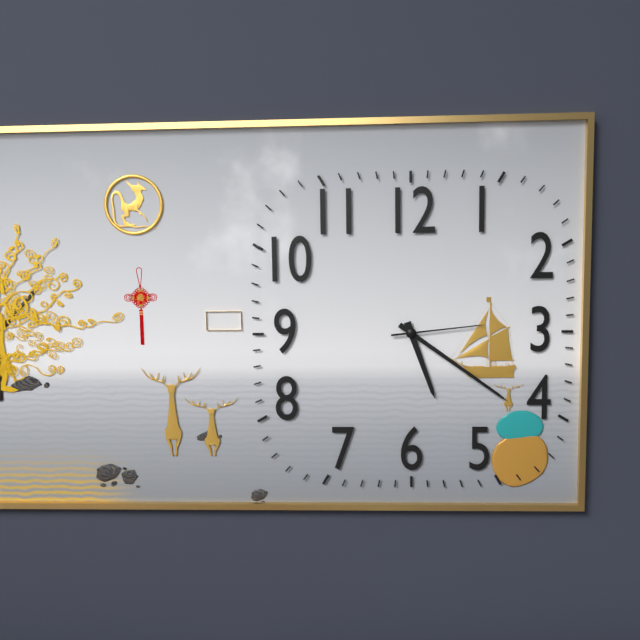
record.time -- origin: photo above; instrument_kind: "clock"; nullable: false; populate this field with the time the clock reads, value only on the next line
5:21:14
